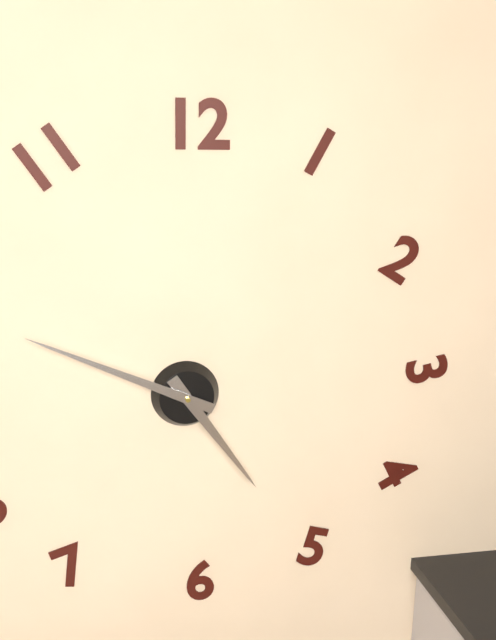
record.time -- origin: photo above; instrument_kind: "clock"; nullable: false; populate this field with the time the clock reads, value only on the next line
4:49
